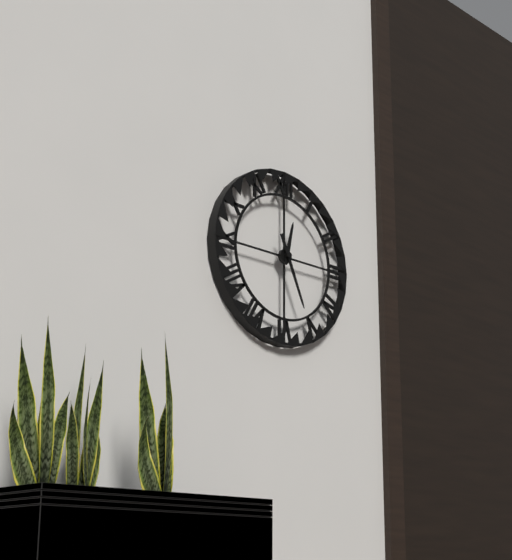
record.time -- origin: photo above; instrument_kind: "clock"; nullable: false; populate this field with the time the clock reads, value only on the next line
12:26
